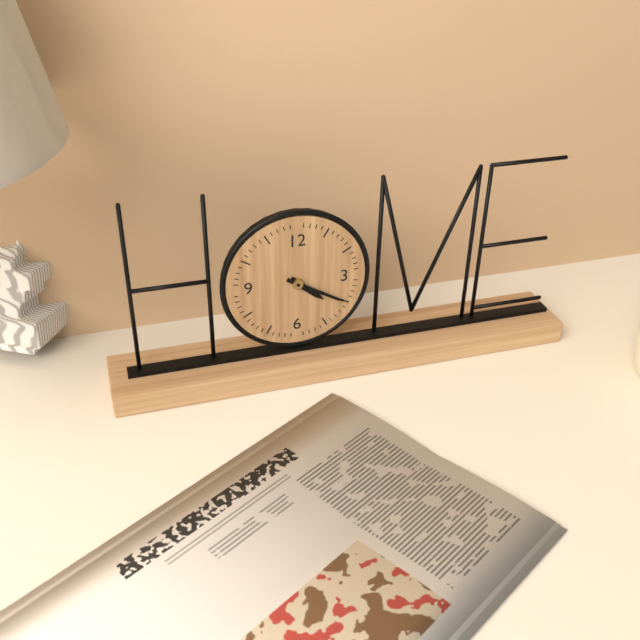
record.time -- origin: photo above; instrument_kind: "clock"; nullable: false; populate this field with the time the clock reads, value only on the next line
4:20
